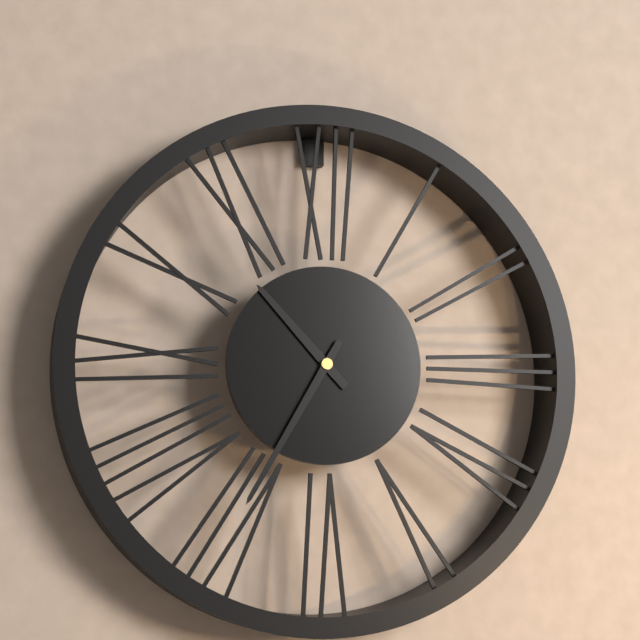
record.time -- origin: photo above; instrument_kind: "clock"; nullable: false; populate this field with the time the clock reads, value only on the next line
10:35
